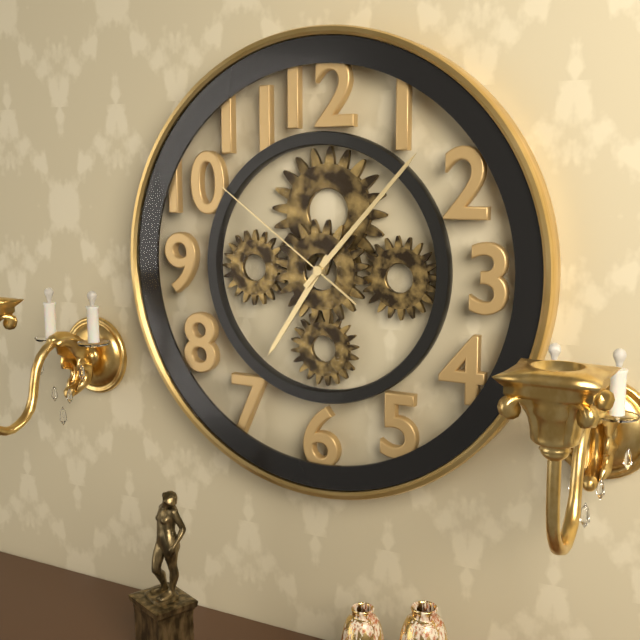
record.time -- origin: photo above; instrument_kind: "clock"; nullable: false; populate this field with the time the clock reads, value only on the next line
7:07:51
